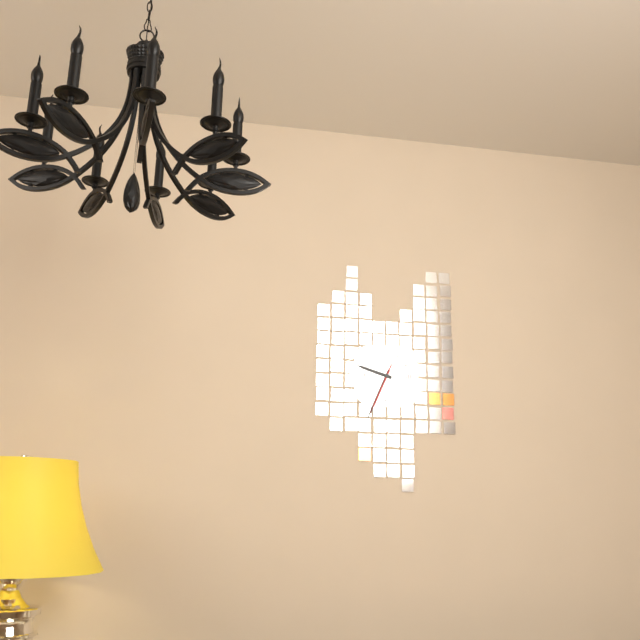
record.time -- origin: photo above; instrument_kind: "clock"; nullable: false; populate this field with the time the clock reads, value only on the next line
9:34:34
